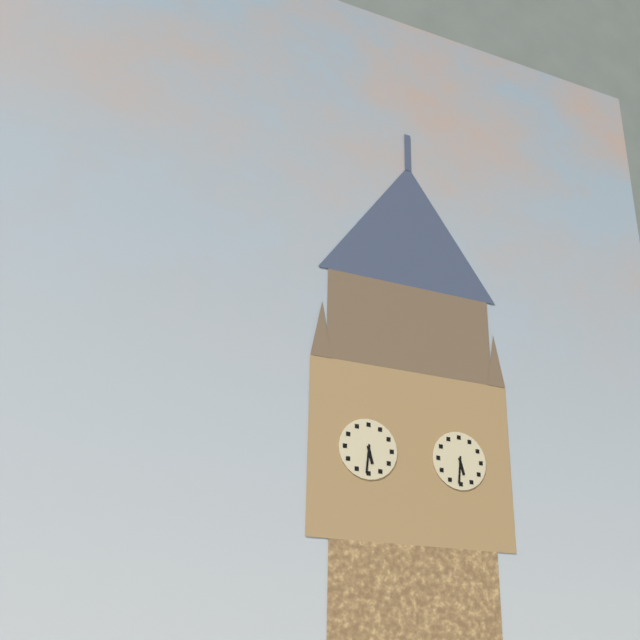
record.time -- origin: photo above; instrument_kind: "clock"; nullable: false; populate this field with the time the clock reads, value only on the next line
5:31
